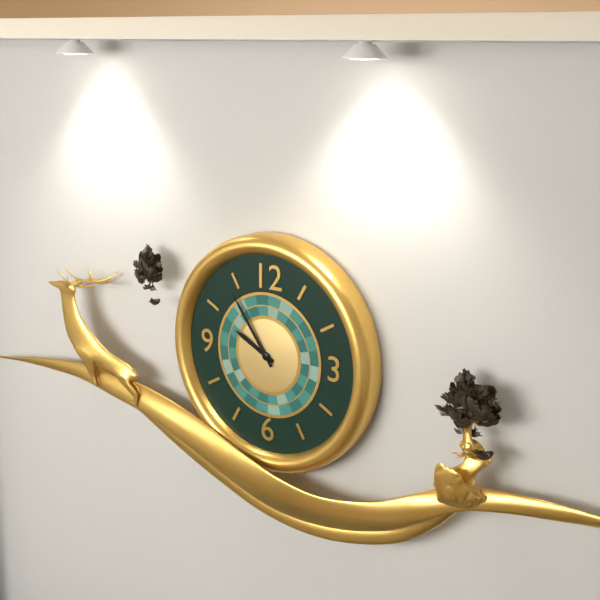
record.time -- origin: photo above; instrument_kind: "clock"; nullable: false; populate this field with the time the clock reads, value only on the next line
9:54
